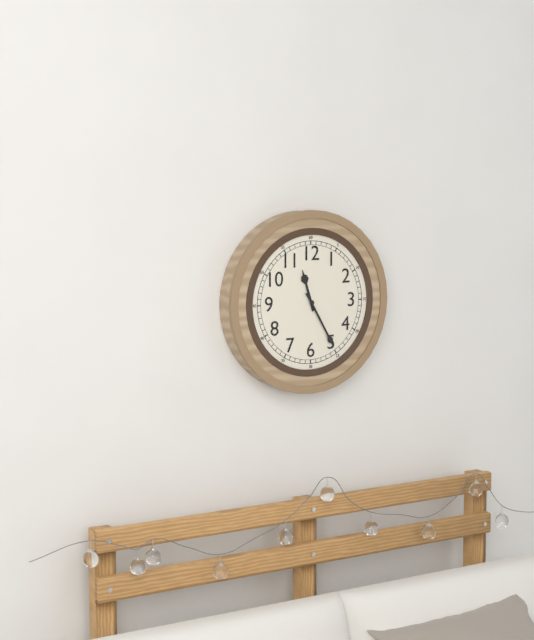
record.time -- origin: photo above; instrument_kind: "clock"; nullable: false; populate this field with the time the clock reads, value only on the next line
11:25
